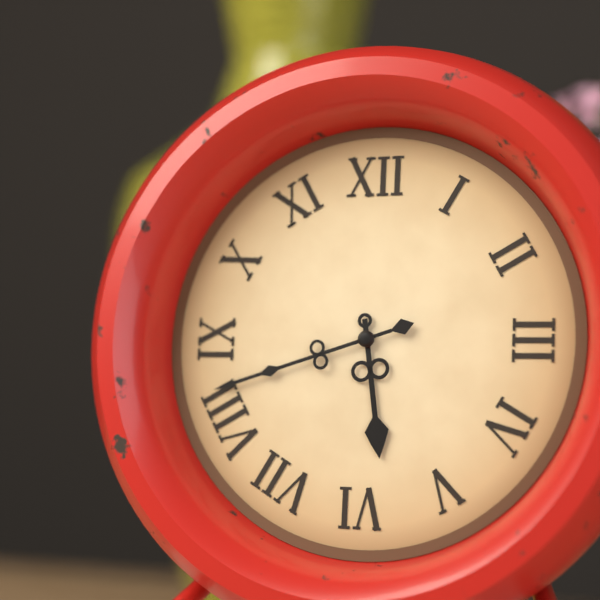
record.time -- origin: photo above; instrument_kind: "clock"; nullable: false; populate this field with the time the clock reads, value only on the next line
5:42
